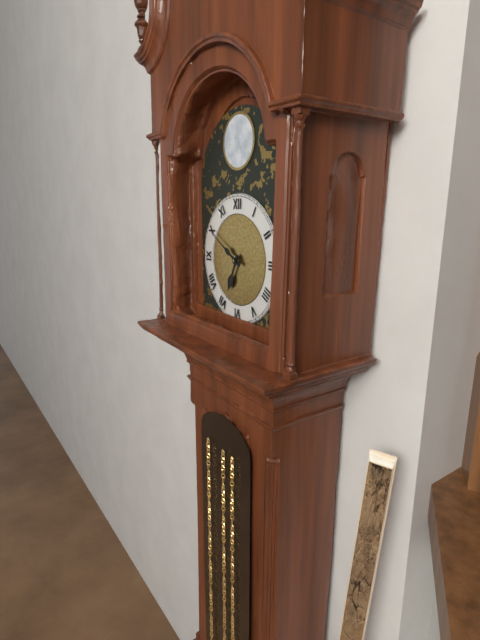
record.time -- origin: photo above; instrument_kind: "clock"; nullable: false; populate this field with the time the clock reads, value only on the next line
6:50
